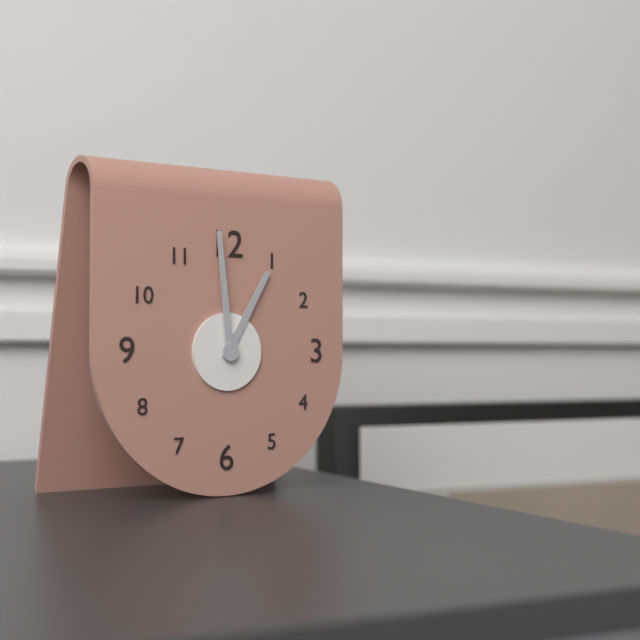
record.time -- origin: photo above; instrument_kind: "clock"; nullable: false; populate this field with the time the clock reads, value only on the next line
12:59
